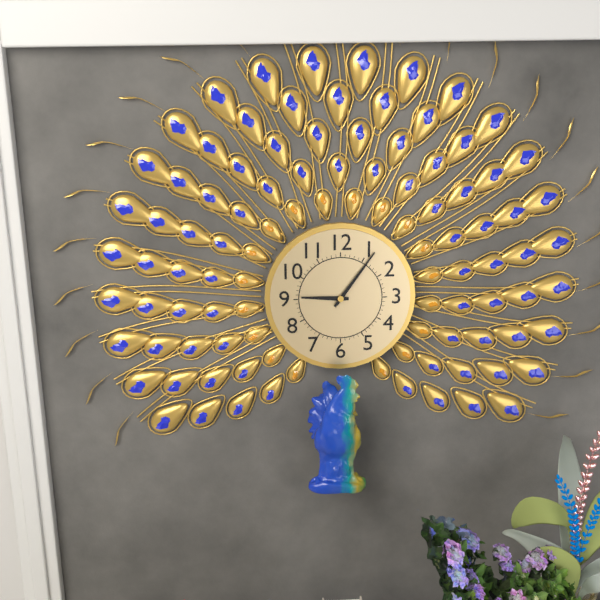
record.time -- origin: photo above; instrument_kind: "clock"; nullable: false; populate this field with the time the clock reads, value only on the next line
9:06
